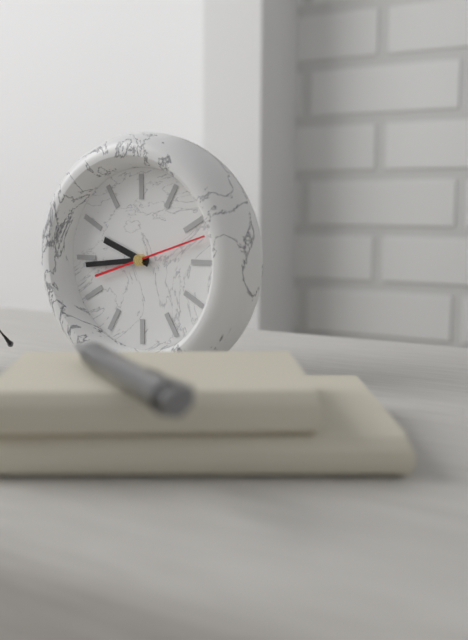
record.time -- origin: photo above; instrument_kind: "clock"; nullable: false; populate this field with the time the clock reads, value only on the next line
9:44:12
